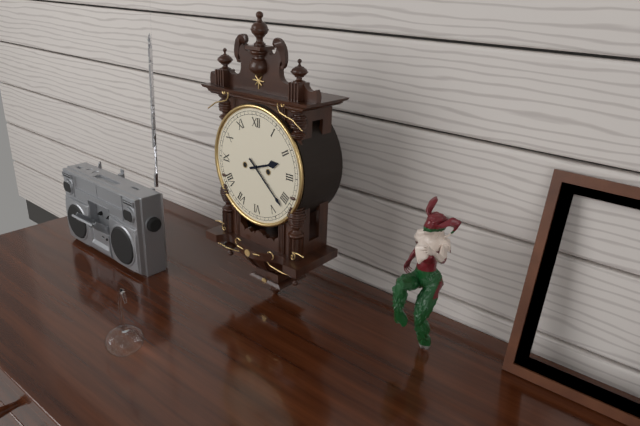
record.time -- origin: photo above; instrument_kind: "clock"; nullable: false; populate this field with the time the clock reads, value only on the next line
2:22
